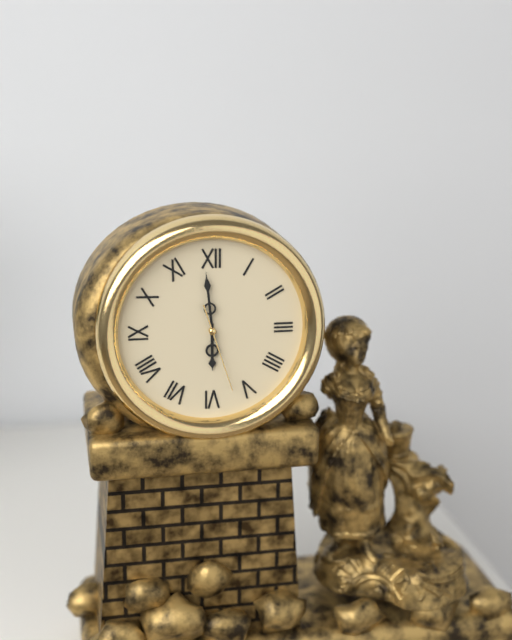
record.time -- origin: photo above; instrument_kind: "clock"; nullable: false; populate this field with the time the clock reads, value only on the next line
5:59:27
